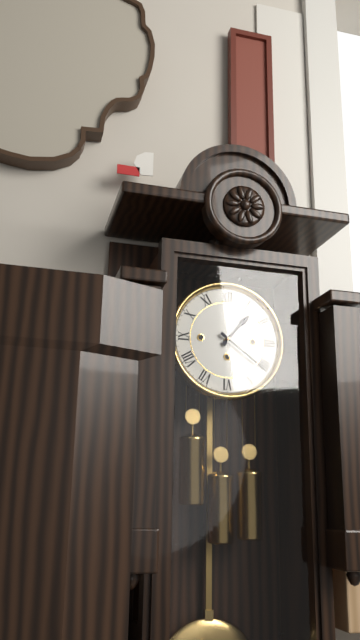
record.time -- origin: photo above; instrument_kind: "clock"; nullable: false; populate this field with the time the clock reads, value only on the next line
1:21
